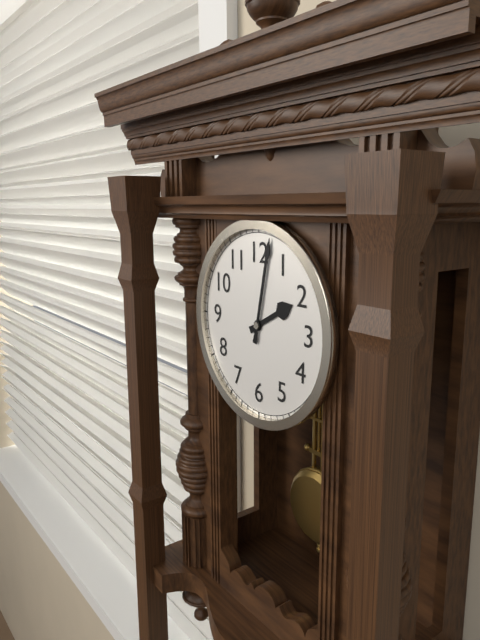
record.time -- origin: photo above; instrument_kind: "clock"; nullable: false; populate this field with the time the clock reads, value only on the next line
2:02
